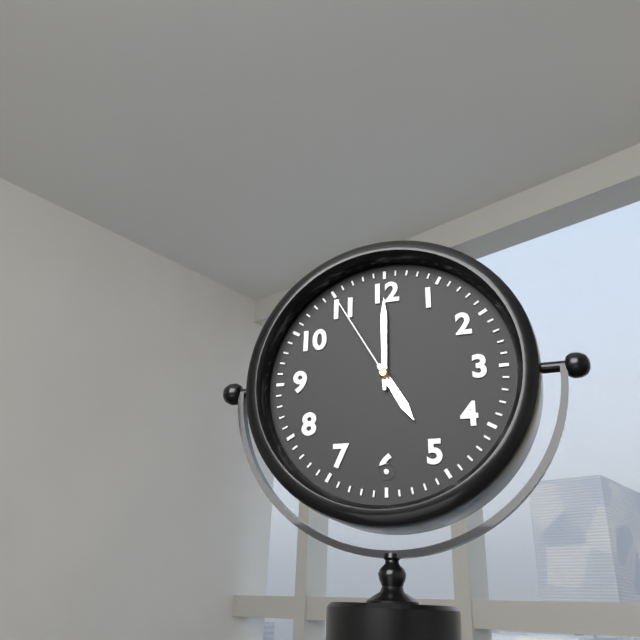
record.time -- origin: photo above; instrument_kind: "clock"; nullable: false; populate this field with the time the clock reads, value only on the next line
5:00:55
